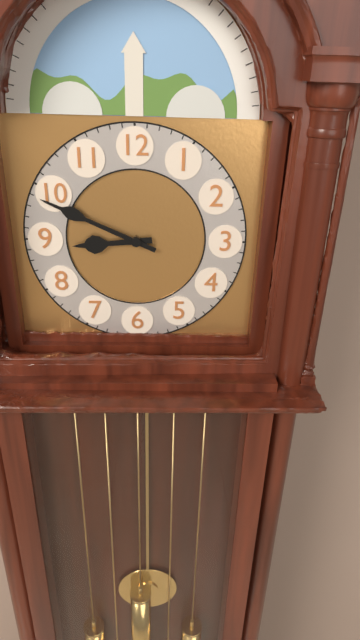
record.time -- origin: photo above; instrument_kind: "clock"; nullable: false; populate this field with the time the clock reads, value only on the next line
8:49
